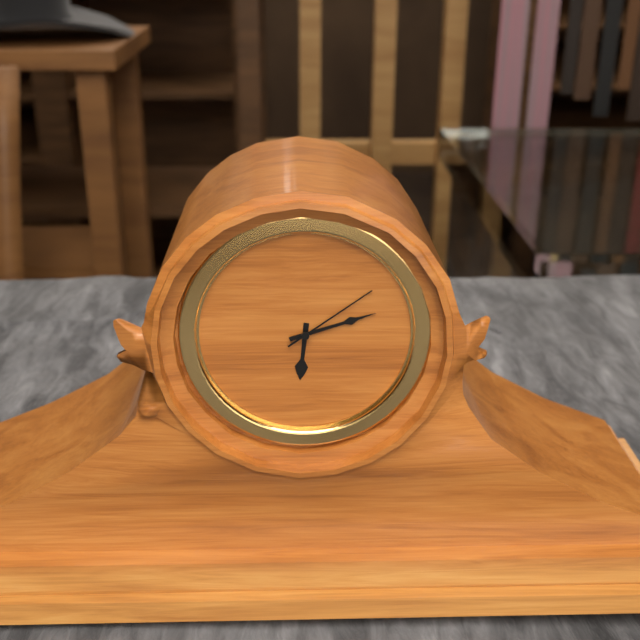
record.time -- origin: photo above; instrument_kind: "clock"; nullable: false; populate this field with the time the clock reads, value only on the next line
6:12:09
